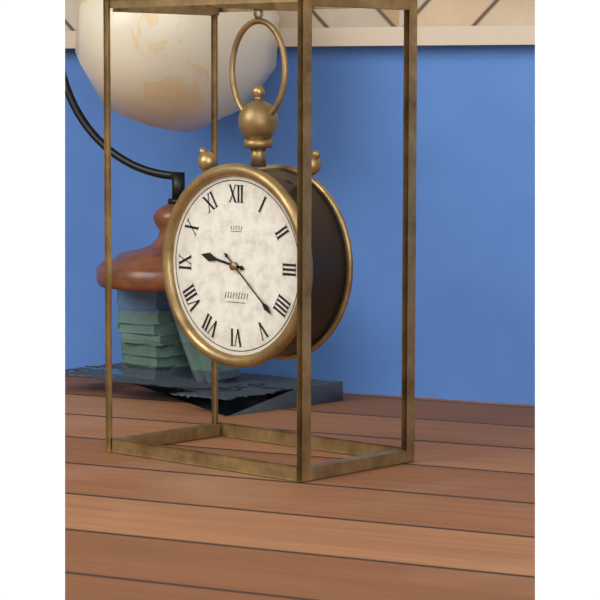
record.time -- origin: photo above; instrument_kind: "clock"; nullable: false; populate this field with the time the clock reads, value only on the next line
9:22
